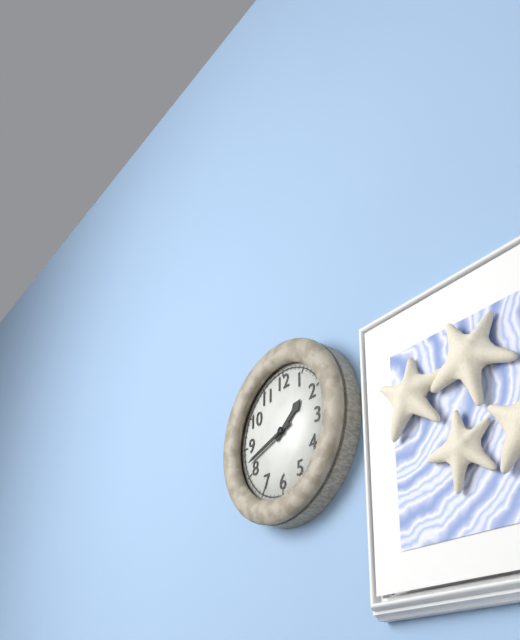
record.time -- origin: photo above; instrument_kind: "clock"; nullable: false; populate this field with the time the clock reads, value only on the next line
1:42
